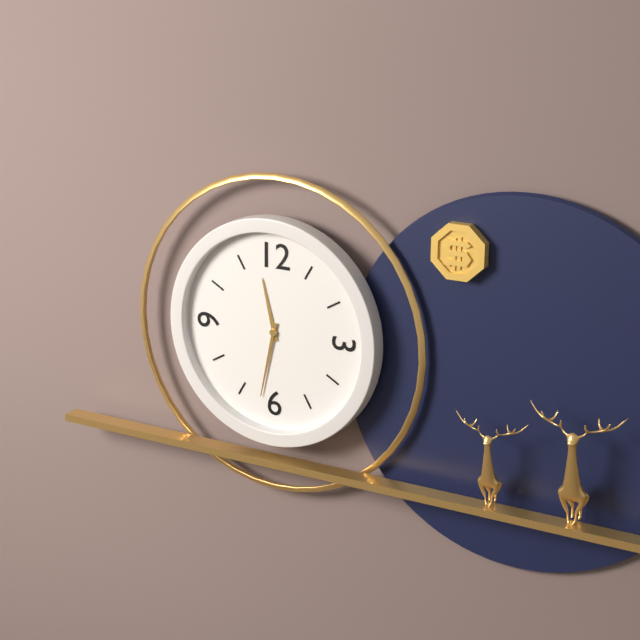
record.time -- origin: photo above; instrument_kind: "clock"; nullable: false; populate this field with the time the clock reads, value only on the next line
11:32
